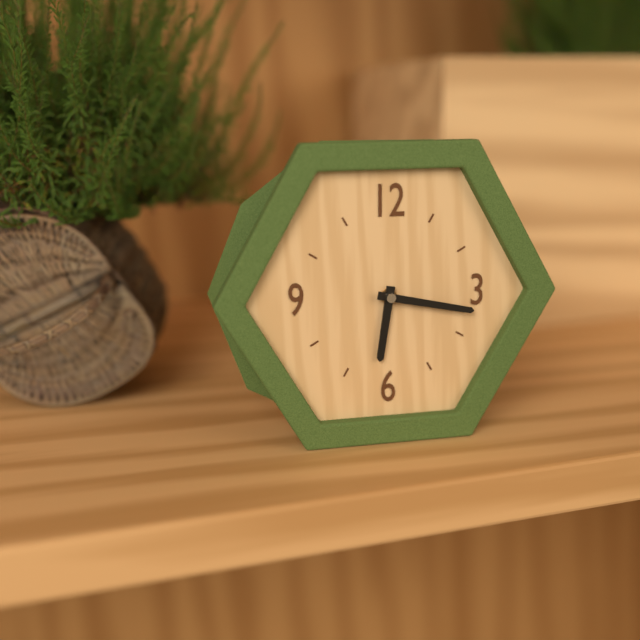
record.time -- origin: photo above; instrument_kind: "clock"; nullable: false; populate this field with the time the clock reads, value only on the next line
6:17
